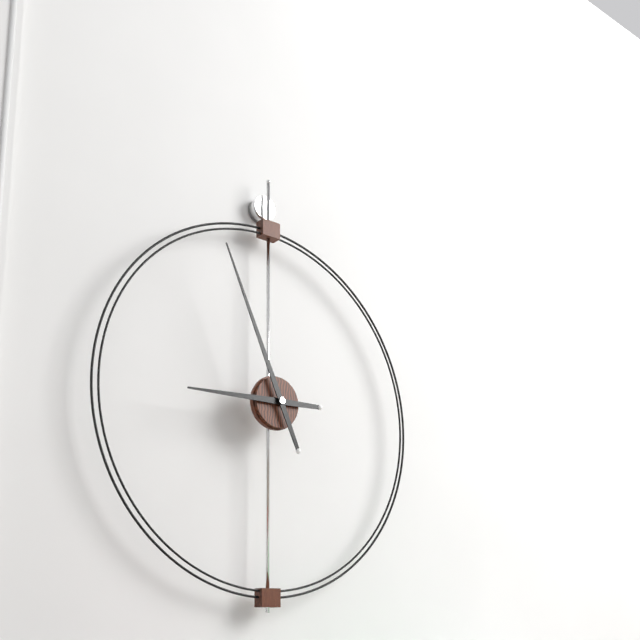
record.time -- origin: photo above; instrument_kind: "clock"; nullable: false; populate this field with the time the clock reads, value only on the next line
8:56
